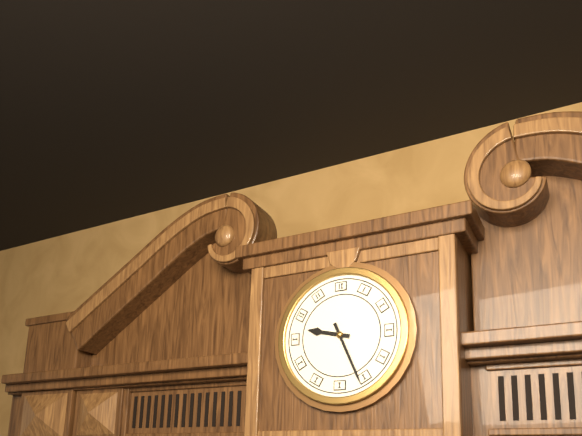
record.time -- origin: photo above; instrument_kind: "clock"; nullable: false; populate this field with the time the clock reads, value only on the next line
9:26
